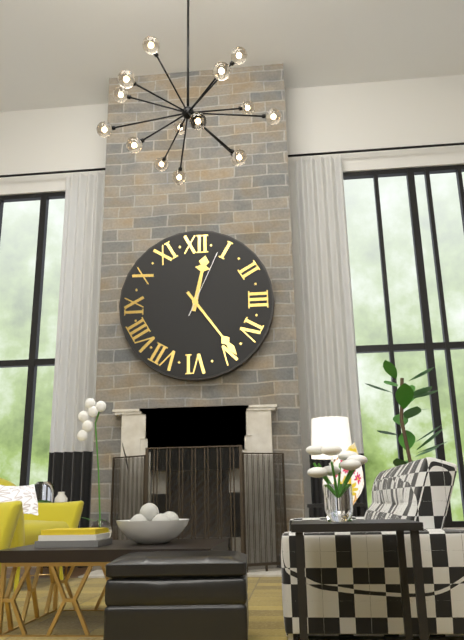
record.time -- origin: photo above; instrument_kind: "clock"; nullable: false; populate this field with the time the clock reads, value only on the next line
12:24:04
